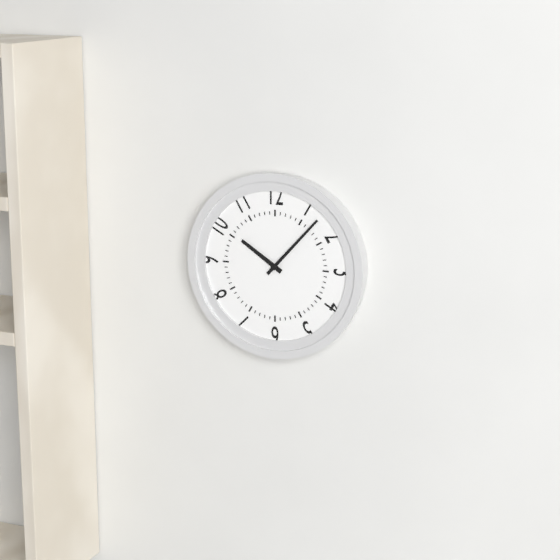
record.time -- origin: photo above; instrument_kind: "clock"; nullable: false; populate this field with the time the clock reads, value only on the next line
10:07
